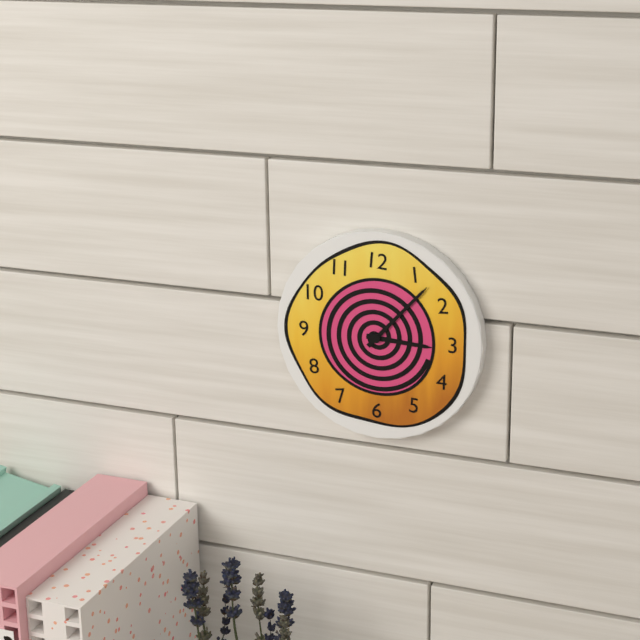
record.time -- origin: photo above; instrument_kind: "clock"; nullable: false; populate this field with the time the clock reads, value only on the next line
3:07
